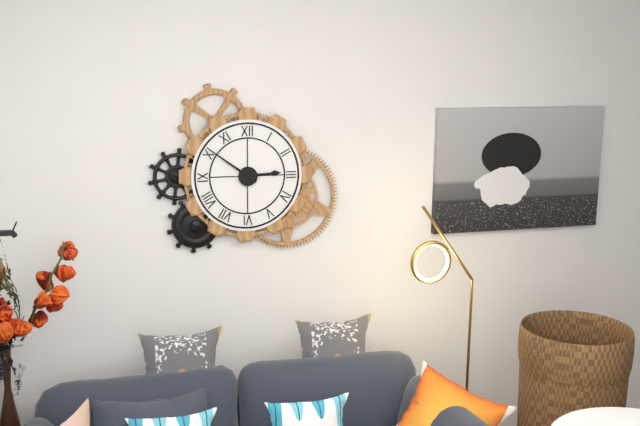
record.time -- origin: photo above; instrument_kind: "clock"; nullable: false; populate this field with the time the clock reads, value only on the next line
2:51
